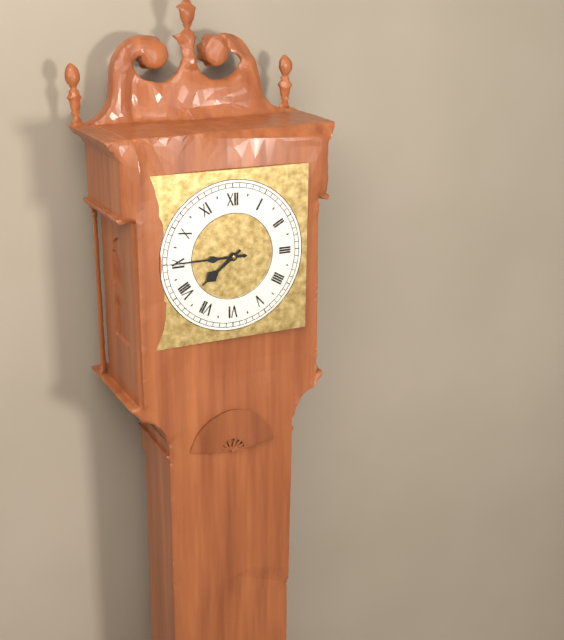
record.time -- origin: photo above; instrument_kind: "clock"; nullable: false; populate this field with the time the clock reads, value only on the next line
7:45
